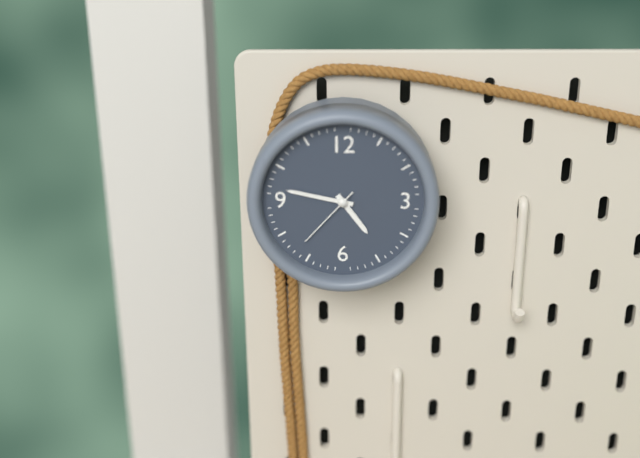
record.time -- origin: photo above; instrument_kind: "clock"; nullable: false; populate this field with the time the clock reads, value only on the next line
4:47:37
